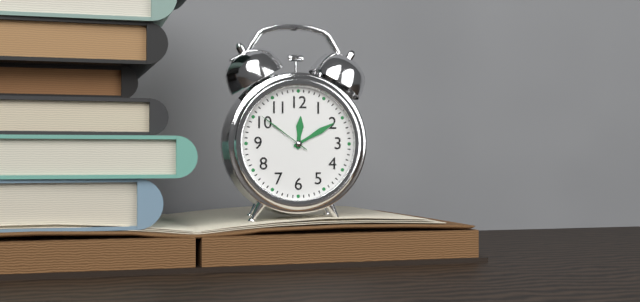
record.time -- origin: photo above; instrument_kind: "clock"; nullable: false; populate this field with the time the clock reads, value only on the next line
12:10:51
